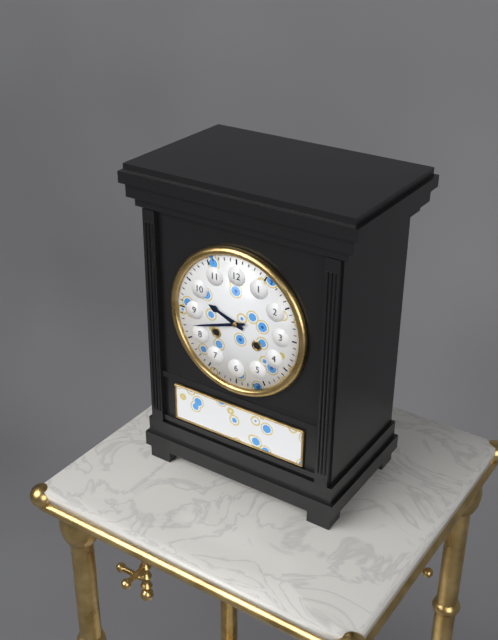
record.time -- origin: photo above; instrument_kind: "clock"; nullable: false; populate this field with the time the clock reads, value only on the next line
9:42
